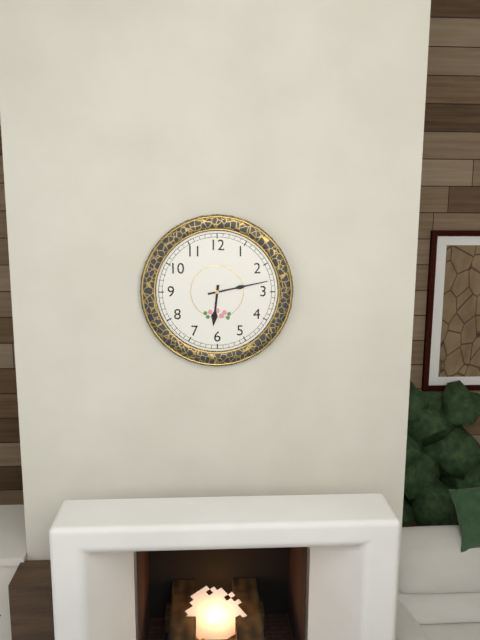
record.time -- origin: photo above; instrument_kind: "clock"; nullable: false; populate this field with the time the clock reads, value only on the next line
6:13
